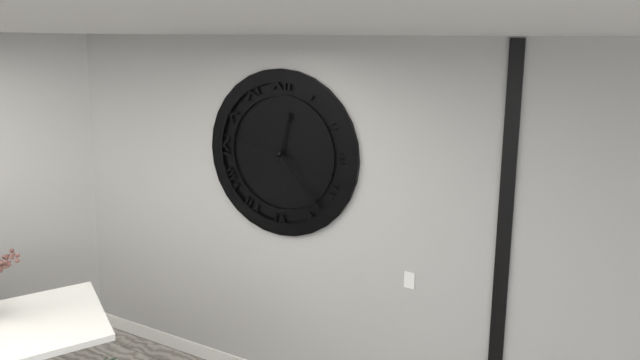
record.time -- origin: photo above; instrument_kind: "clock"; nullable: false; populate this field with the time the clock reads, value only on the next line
12:23:47
